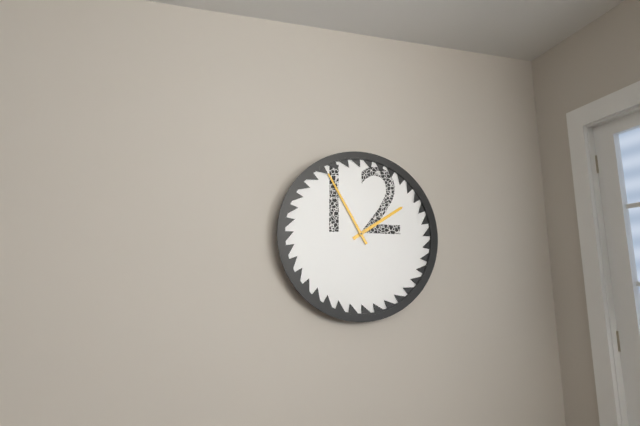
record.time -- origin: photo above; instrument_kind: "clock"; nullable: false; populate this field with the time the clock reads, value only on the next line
1:55
